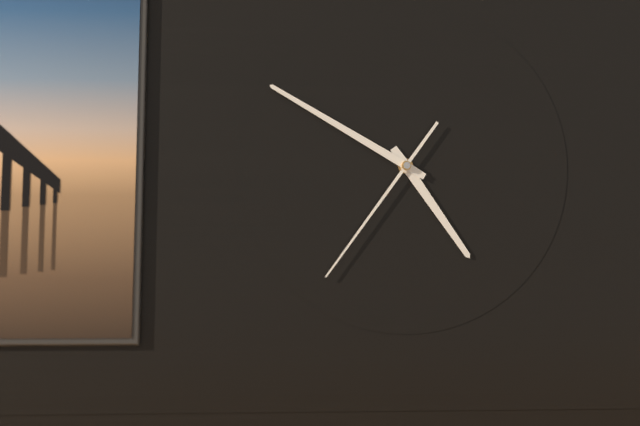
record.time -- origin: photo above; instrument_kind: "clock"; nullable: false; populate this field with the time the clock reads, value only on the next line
4:50:36
